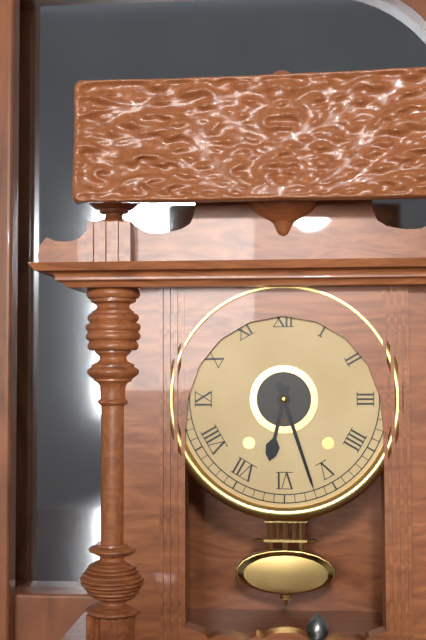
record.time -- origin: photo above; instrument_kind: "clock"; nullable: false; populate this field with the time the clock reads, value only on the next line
6:27
